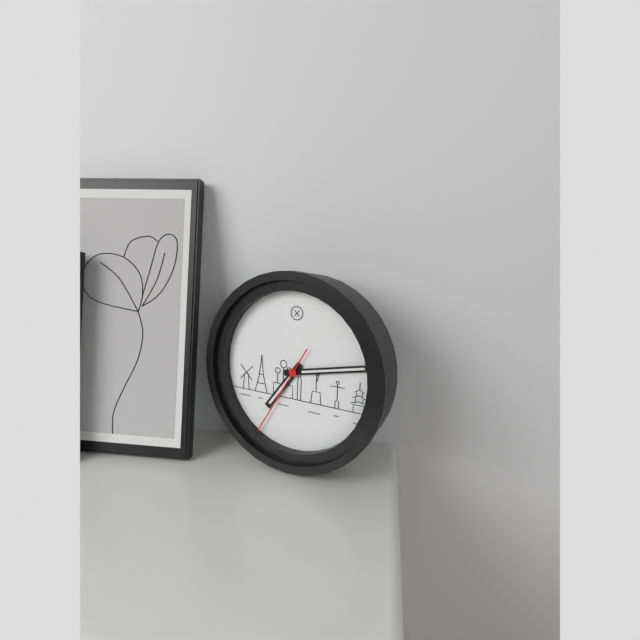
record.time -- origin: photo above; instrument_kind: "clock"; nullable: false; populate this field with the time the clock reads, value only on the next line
7:13:35
